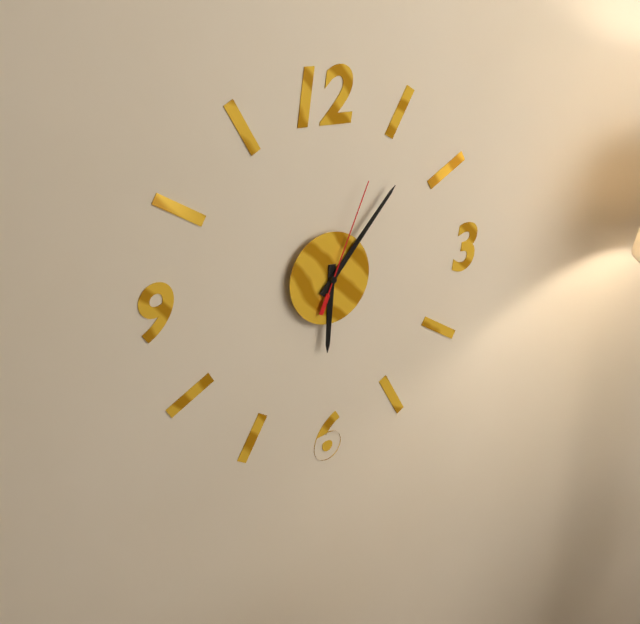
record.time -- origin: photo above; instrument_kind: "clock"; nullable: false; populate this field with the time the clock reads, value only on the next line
6:07:04
